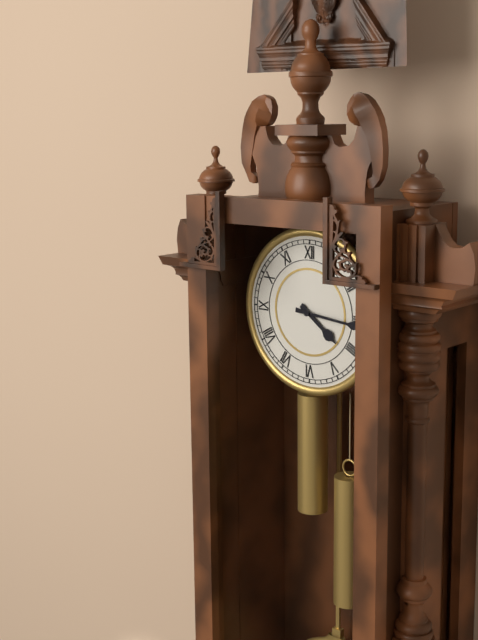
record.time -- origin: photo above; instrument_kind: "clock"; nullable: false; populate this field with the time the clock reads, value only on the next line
4:16
